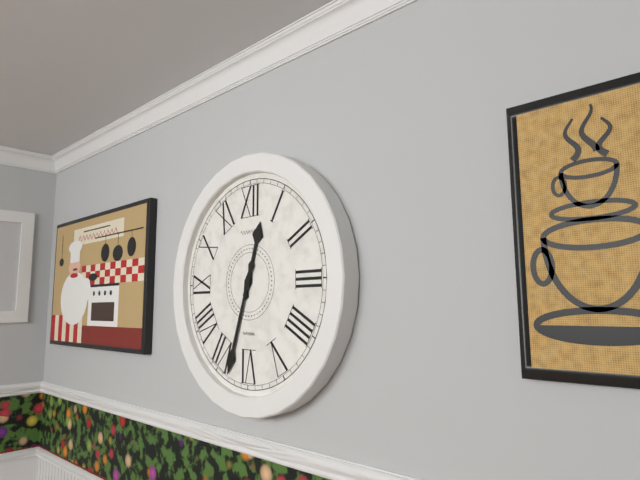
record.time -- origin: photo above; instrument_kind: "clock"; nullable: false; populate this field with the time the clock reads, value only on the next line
12:33
